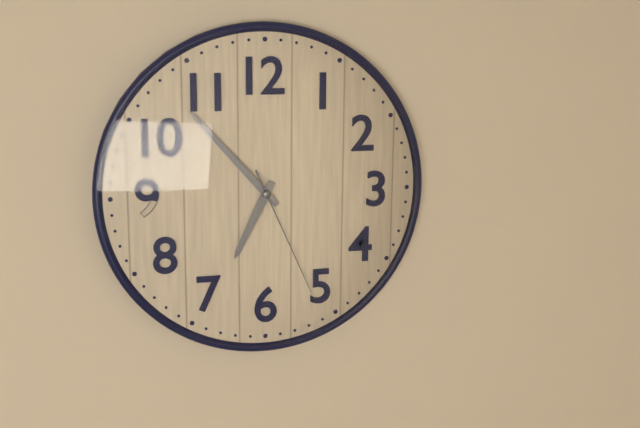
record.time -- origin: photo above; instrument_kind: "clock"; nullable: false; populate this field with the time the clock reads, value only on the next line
6:53:26
